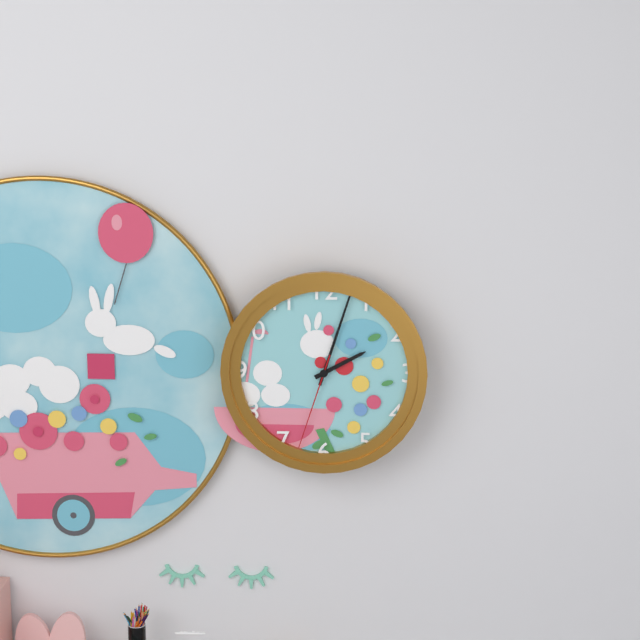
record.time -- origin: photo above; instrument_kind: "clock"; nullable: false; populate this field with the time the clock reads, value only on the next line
2:03:33
